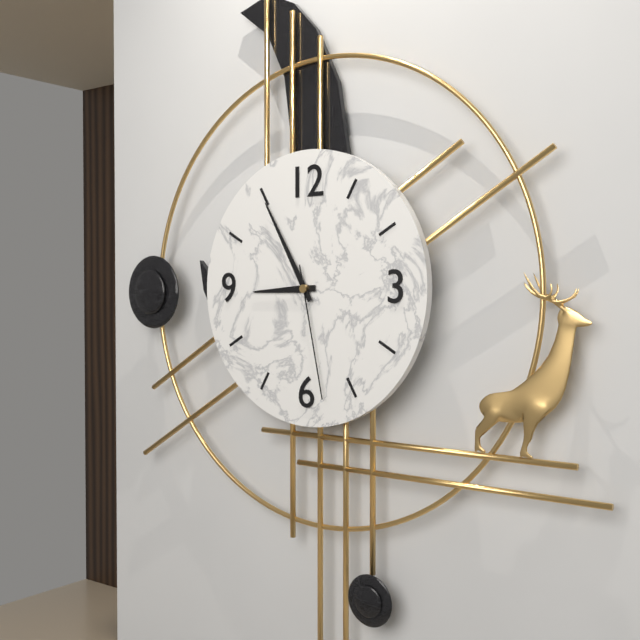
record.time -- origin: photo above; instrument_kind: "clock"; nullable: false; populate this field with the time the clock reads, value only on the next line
8:55:28
